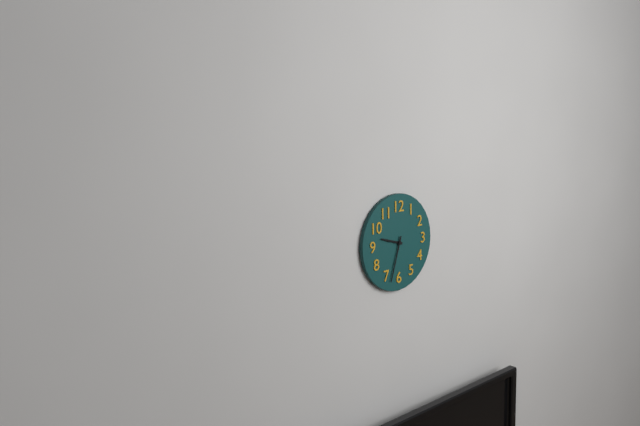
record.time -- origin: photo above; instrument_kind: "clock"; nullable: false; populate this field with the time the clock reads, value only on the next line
9:33
